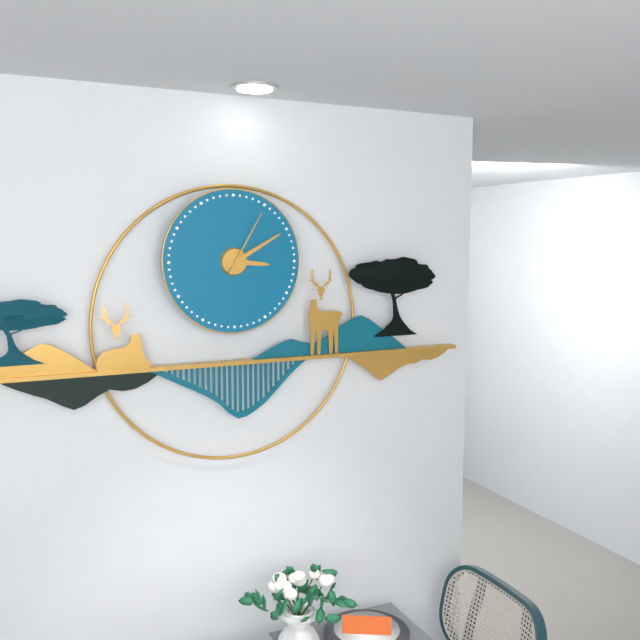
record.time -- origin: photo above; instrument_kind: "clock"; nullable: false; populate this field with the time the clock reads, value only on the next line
3:10:05
